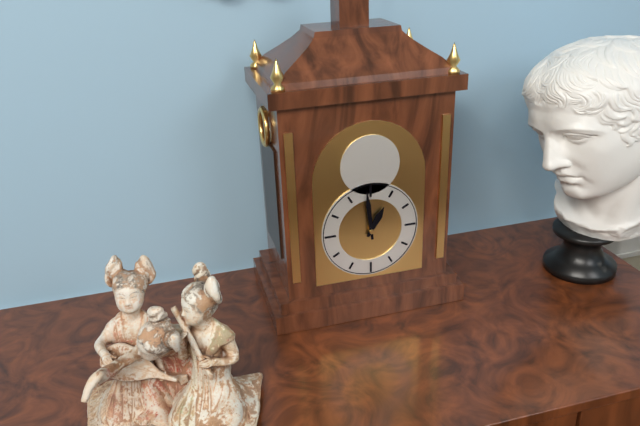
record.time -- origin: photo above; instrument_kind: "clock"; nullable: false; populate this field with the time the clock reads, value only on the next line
12:59
